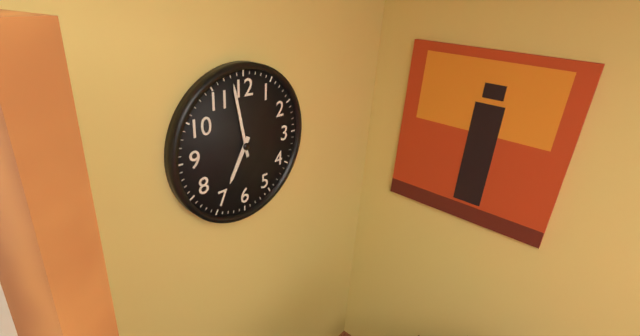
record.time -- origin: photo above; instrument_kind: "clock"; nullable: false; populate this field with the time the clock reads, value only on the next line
6:58
